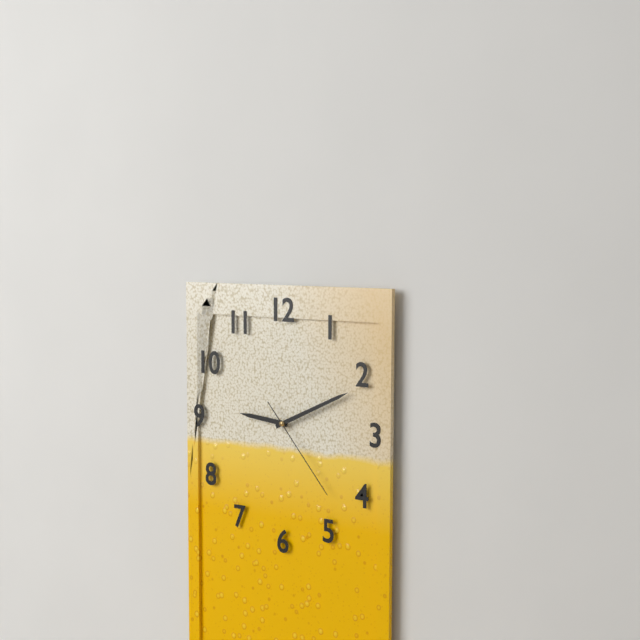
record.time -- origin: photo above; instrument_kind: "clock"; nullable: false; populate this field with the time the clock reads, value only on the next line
9:11:23
